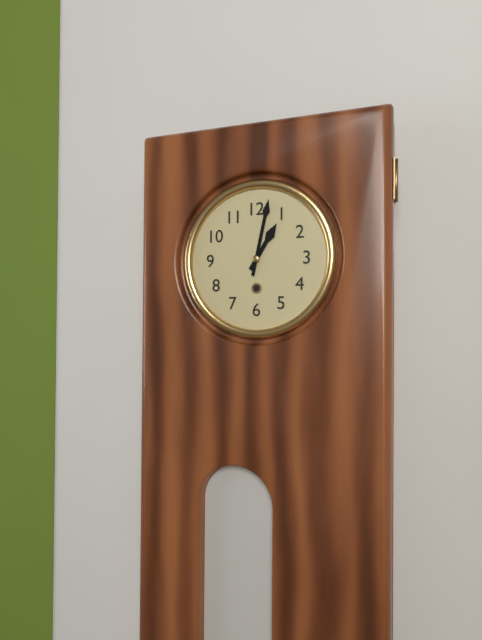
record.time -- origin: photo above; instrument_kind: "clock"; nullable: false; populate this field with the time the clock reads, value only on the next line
1:02
